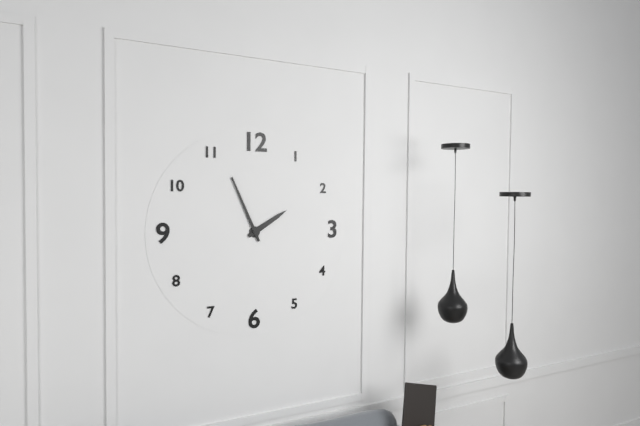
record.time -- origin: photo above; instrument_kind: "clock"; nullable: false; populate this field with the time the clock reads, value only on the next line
1:56
